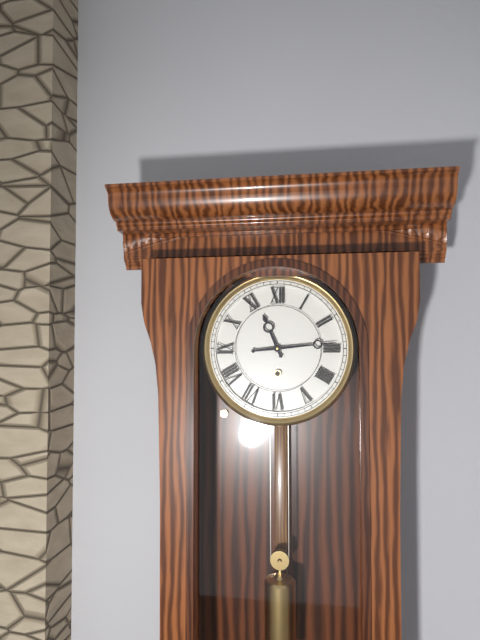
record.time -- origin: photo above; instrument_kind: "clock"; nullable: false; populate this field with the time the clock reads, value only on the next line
11:14
